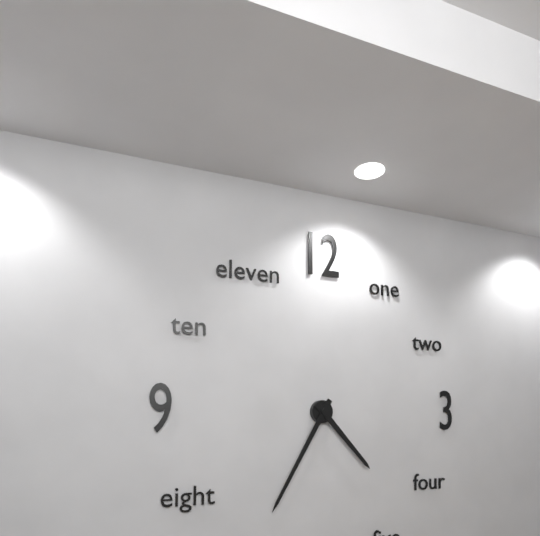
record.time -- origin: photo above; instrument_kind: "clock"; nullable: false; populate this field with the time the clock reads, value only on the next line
4:35
